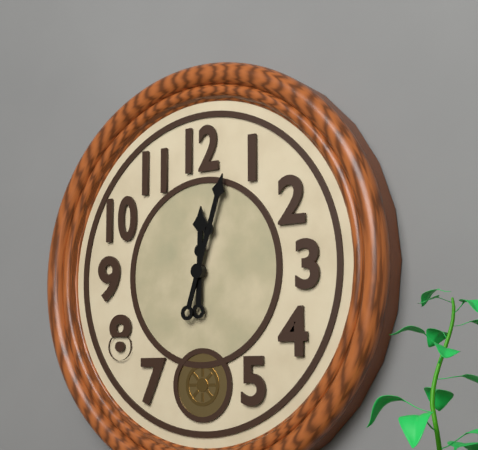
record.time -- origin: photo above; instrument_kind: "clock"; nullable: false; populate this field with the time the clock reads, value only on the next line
12:03
